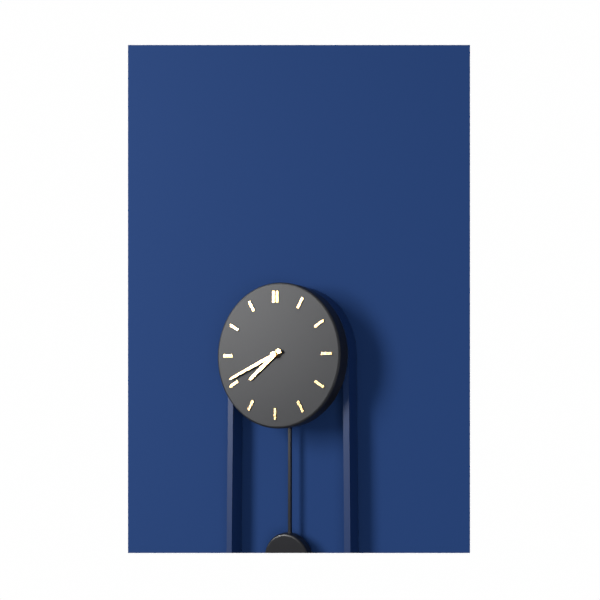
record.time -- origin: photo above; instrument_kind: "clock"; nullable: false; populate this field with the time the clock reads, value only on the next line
7:41
